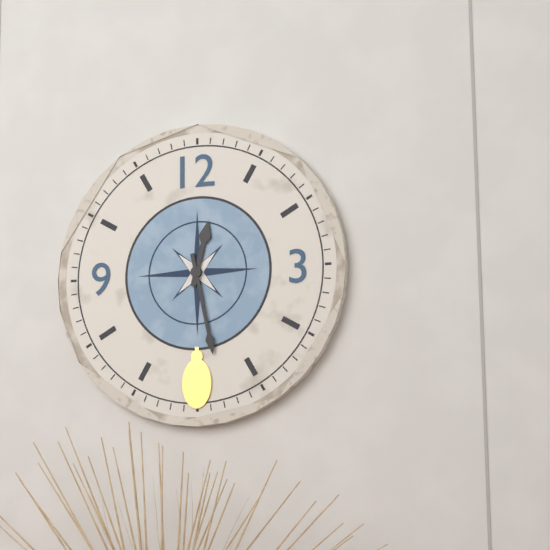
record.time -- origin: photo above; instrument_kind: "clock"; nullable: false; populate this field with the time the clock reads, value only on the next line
12:28
